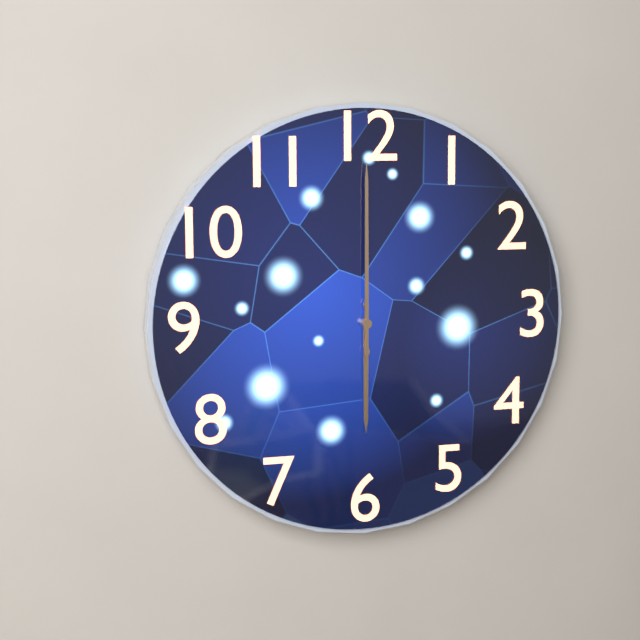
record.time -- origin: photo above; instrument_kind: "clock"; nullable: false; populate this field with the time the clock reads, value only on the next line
6:00
